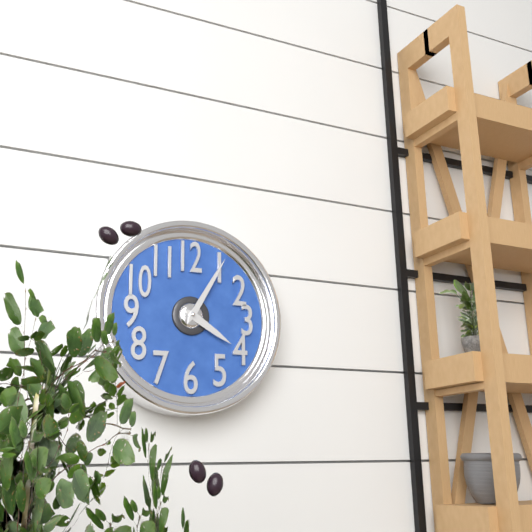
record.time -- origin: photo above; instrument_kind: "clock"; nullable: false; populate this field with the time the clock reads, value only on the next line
4:05
